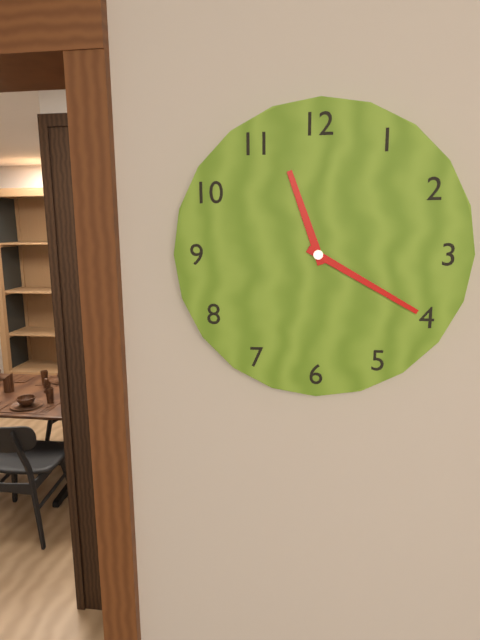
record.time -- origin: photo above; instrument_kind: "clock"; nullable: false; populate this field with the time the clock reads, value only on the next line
11:20
